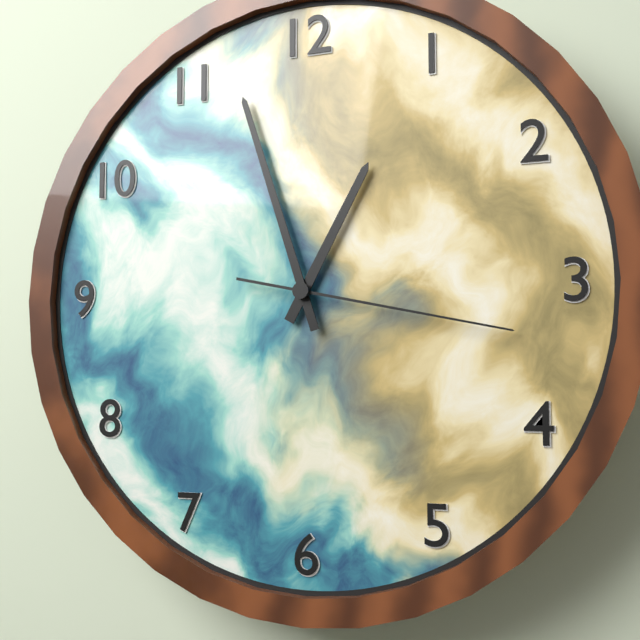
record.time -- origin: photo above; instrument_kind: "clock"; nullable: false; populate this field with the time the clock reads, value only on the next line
12:57:17
